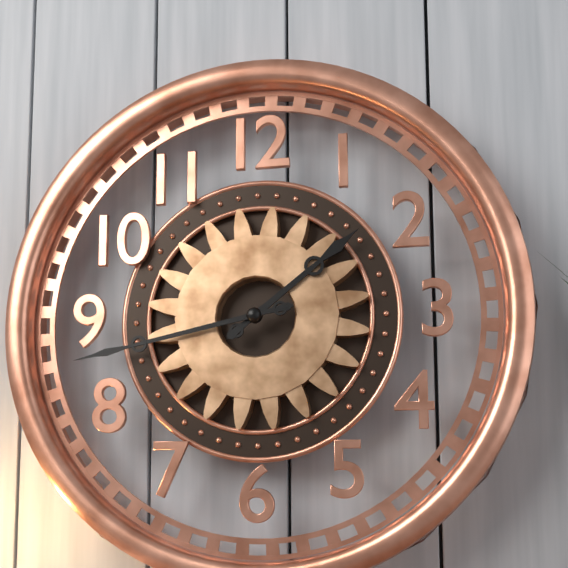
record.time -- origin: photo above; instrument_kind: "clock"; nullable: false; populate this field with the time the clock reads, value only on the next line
1:43
